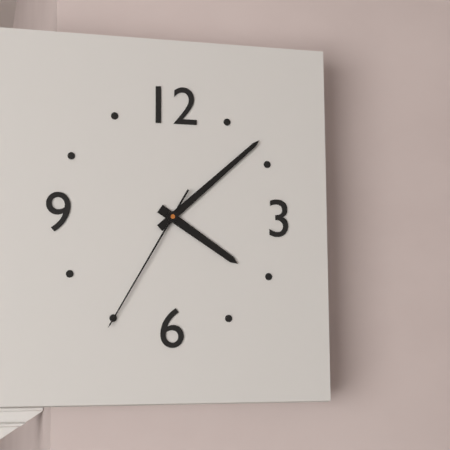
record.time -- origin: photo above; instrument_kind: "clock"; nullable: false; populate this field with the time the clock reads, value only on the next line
4:08:35
